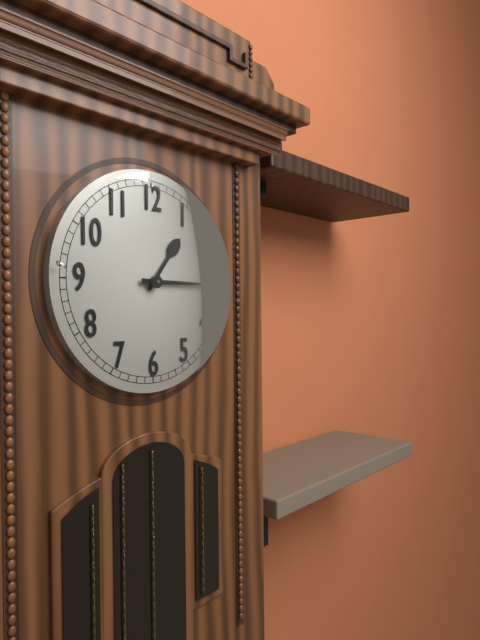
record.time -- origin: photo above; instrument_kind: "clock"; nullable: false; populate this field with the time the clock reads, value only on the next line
1:15
